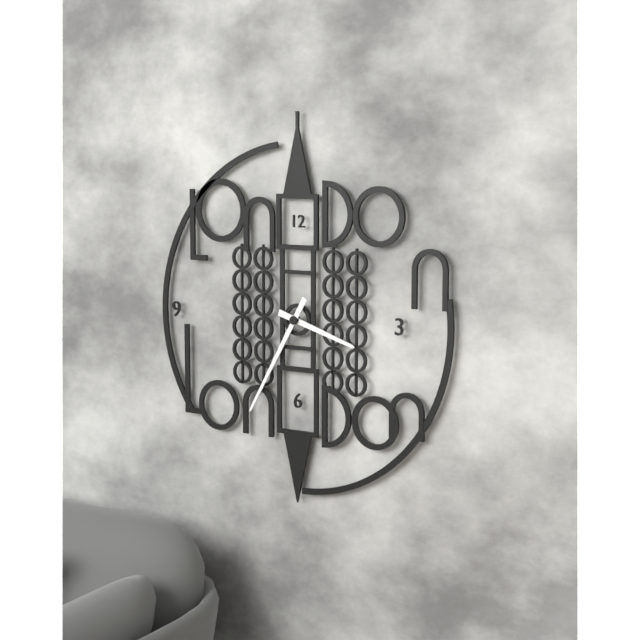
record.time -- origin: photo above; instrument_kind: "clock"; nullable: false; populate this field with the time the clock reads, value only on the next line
3:35
